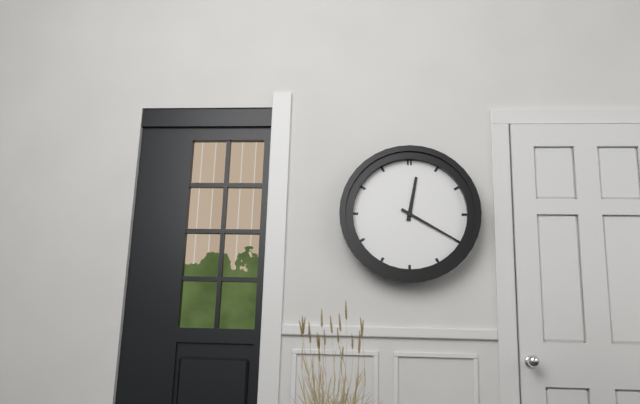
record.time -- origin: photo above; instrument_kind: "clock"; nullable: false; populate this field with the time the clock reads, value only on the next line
12:20
